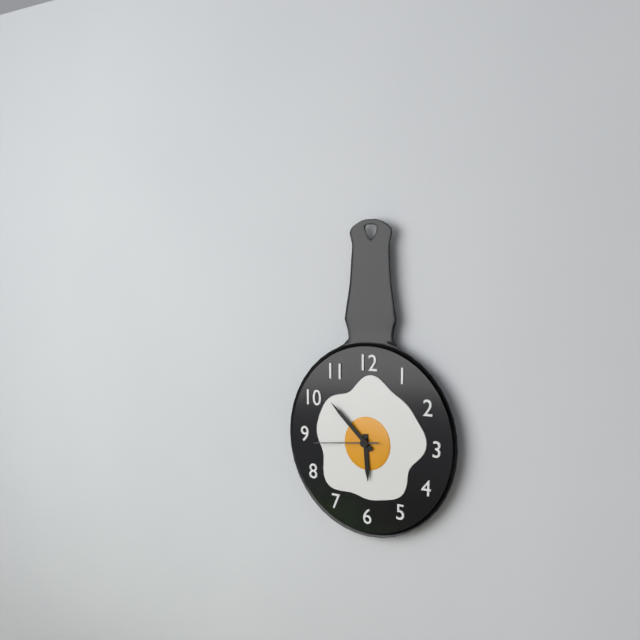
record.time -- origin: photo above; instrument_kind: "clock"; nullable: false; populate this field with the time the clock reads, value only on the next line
5:52:44
